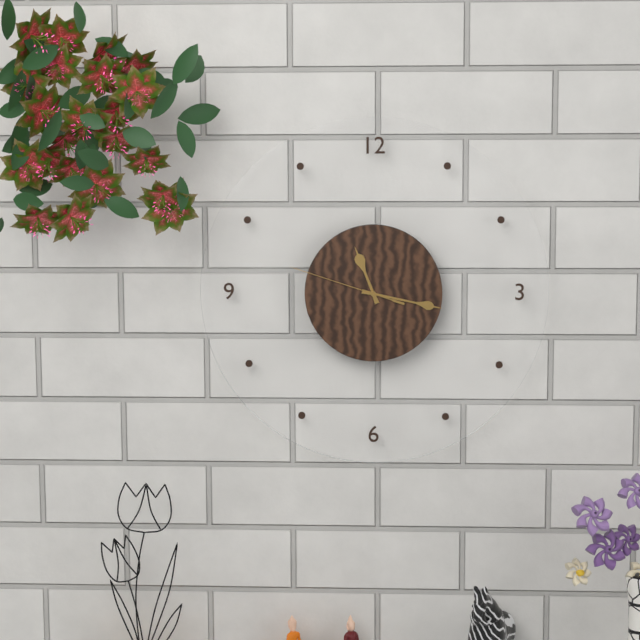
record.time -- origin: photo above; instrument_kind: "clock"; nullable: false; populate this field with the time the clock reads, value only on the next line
11:17:48
